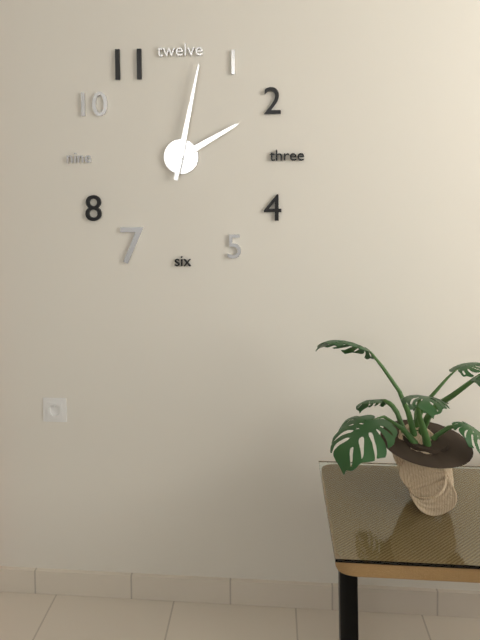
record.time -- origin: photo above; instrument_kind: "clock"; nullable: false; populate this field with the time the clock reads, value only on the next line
2:02
